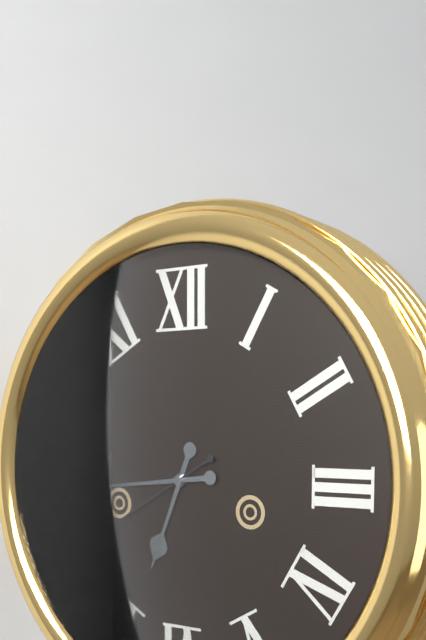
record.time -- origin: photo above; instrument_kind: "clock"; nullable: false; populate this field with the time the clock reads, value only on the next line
6:44:40
